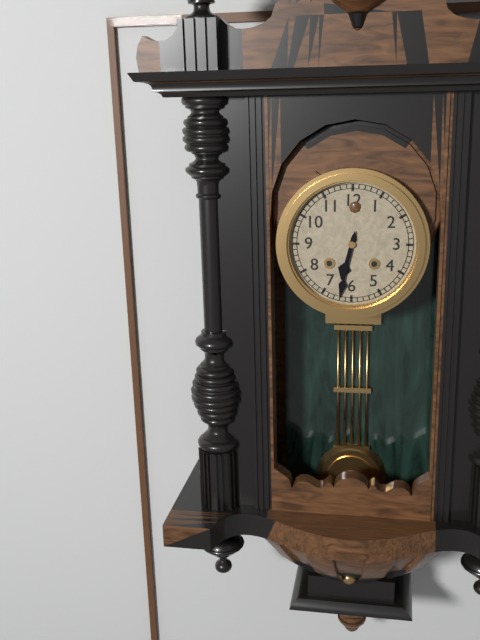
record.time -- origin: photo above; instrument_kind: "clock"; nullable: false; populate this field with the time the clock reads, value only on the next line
6:32
